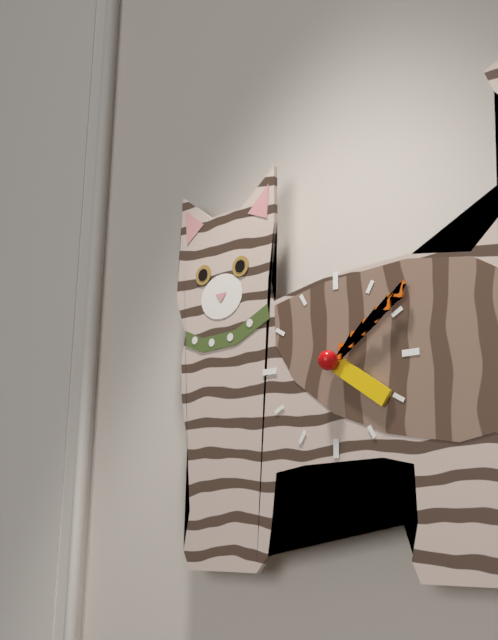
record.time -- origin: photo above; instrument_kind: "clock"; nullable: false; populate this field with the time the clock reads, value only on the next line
4:09
